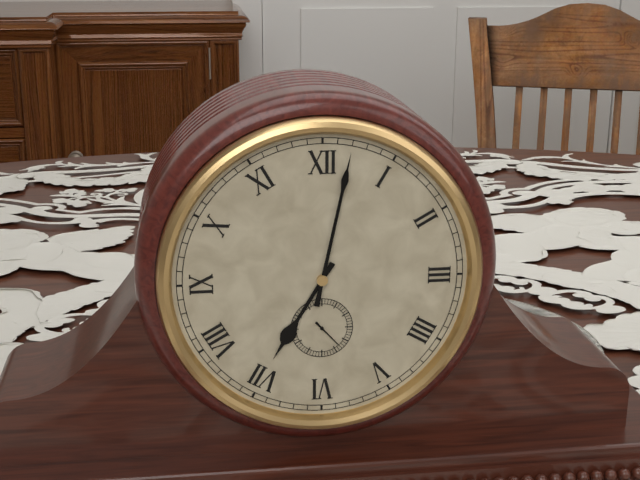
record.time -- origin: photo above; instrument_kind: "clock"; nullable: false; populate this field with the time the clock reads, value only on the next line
7:02:23
